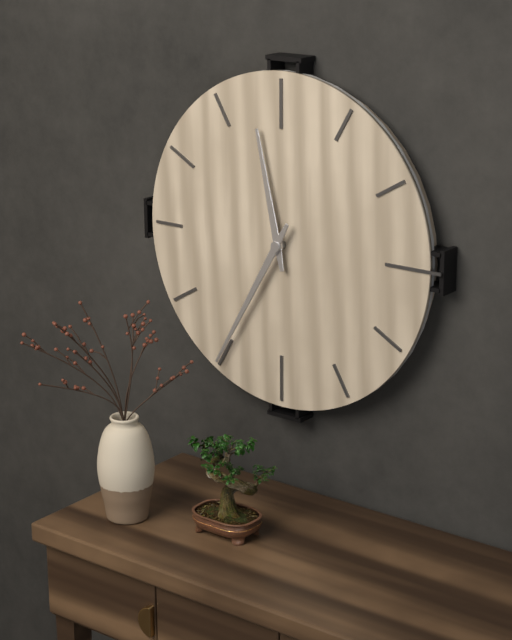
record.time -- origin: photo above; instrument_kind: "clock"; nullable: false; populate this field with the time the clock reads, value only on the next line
11:35
